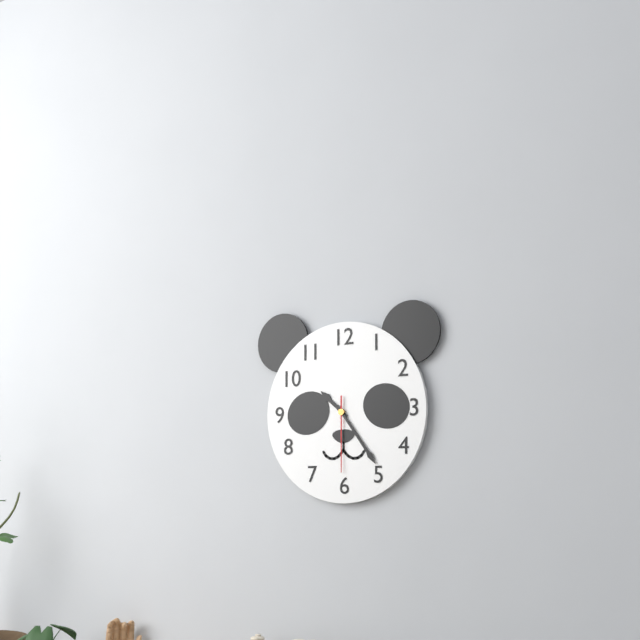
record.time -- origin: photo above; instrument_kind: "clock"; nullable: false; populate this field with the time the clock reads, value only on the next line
10:24:30
